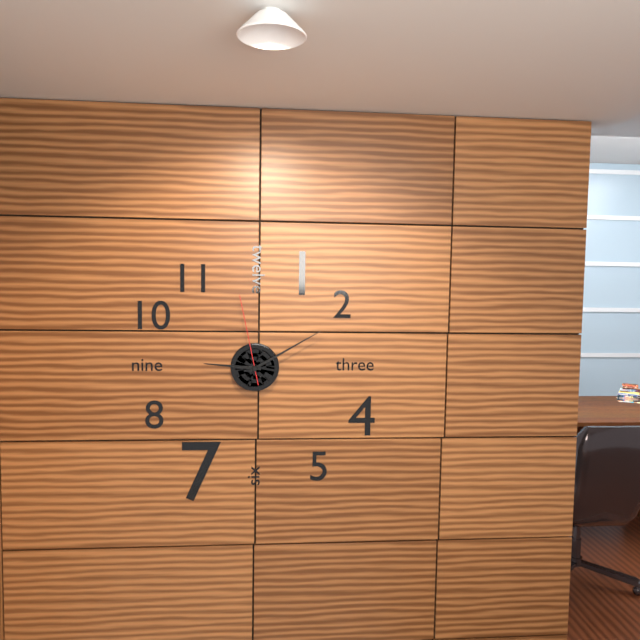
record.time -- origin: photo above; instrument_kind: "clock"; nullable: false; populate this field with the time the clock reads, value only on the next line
9:10:58
